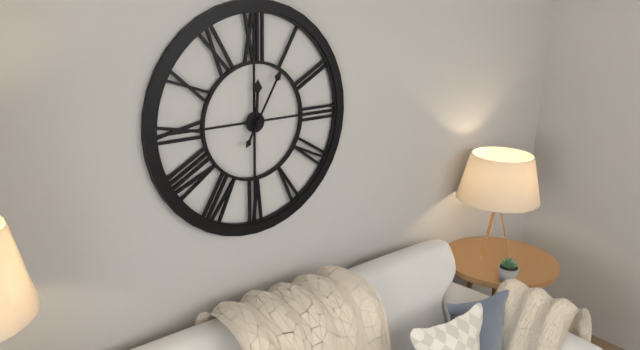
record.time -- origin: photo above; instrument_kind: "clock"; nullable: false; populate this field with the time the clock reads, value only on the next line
12:05
